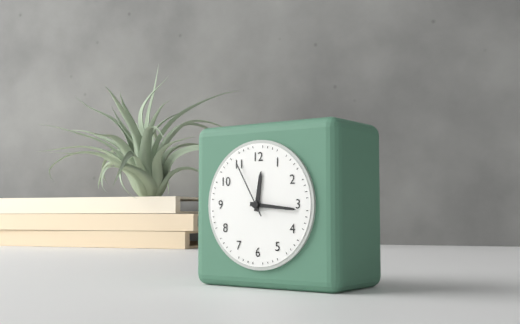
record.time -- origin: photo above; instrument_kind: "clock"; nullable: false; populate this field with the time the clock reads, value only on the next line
12:16:55
